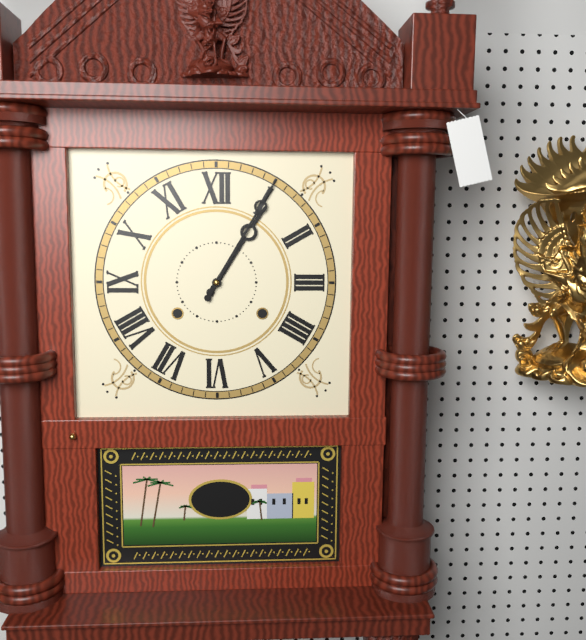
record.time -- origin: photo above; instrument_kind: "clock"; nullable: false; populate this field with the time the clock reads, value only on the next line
1:05
